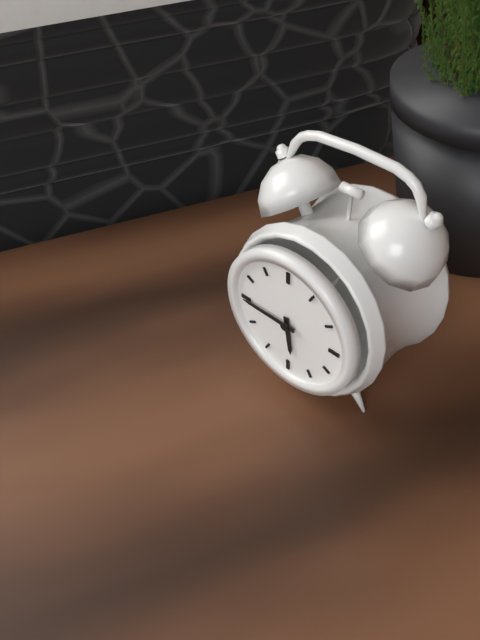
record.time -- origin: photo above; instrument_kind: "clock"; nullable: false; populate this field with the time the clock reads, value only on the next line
5:45
